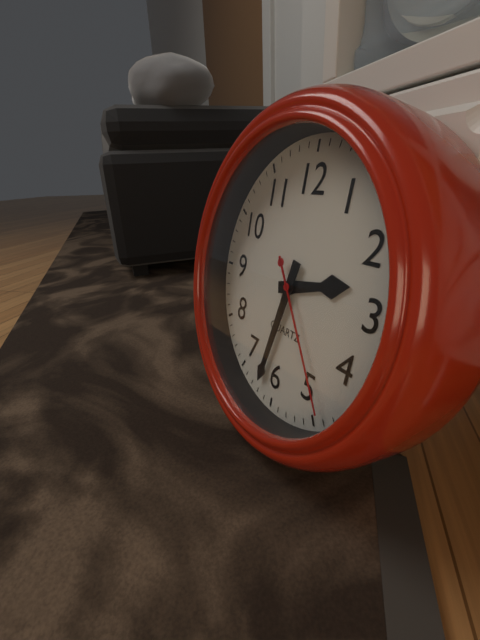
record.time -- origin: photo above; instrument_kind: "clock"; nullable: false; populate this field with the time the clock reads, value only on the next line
2:32:24
